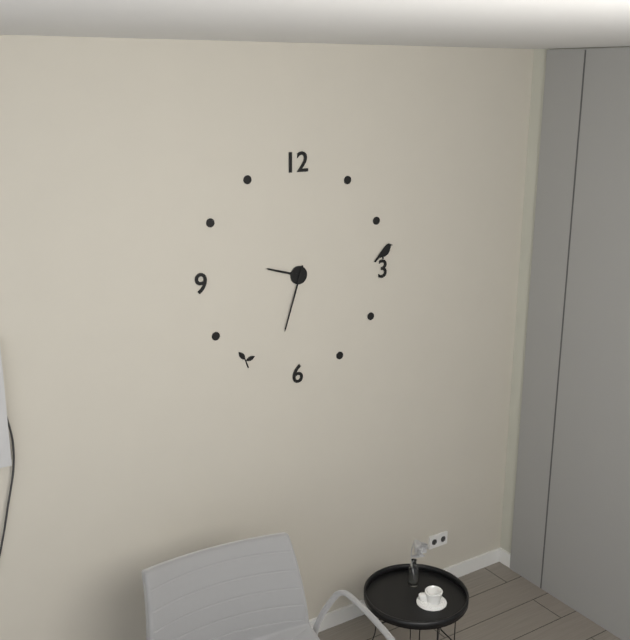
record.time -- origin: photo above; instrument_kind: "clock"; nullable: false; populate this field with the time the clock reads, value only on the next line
9:33
